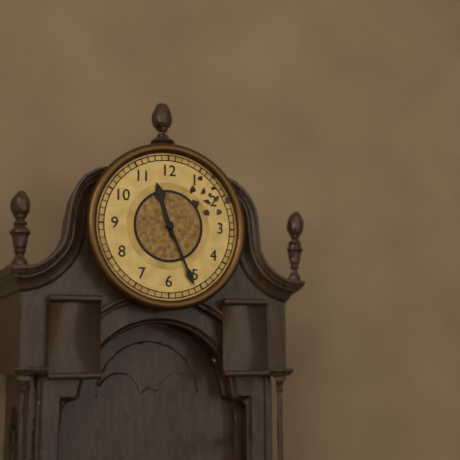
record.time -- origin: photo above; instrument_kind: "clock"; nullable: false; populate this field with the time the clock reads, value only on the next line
11:26
